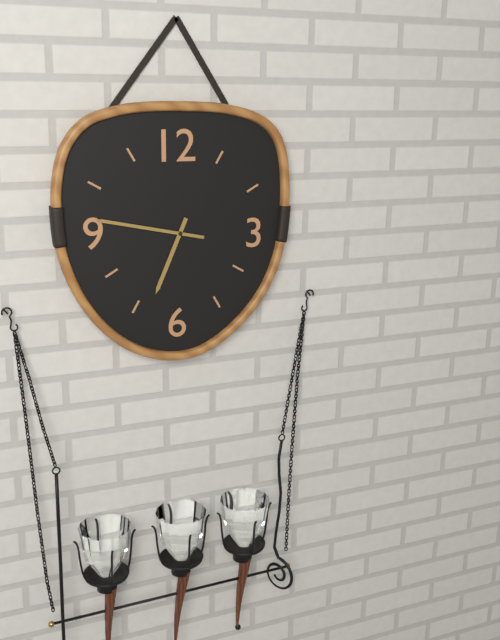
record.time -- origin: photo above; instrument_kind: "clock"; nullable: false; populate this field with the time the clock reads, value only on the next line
6:47
